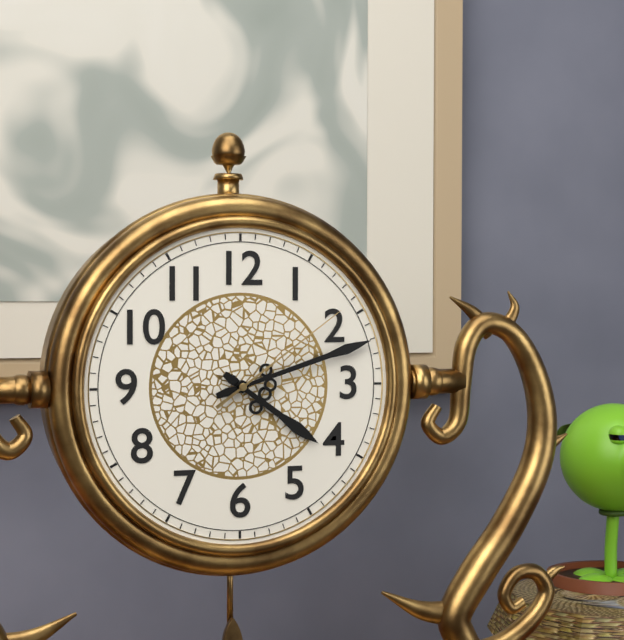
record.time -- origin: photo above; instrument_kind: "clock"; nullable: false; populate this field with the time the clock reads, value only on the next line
4:12:09
